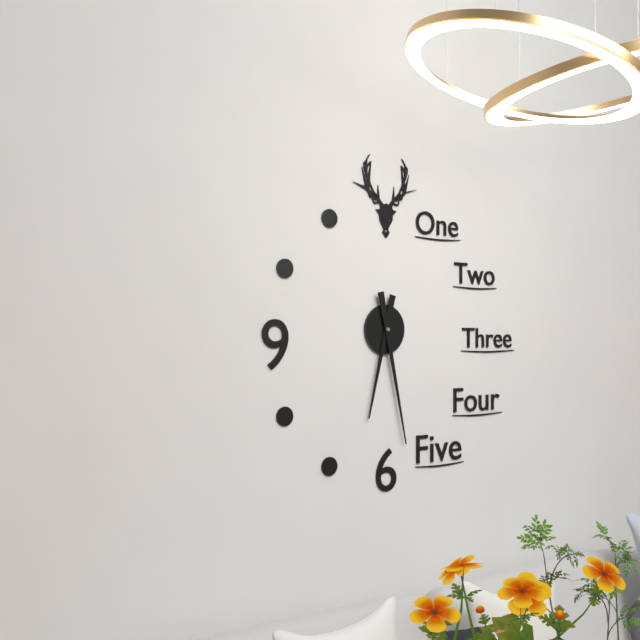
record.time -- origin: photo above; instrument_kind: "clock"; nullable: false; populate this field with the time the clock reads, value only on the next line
6:28
